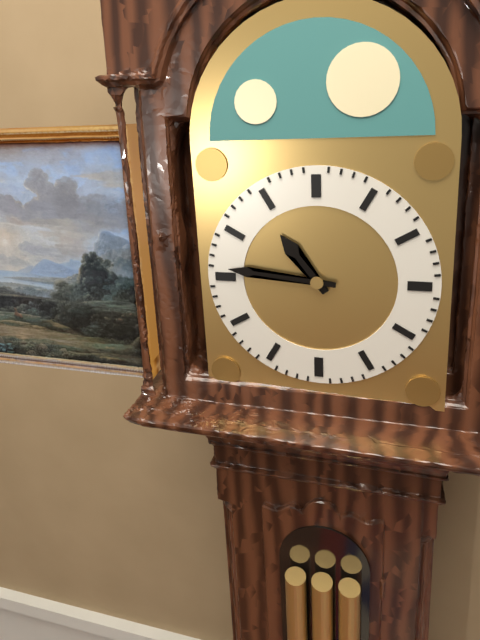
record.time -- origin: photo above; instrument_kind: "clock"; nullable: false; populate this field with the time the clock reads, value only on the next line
10:46
